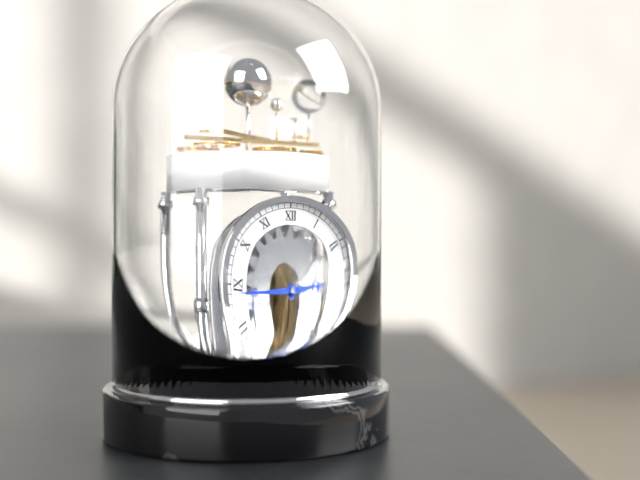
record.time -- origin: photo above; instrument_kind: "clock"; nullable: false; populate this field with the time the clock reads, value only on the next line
2:44
